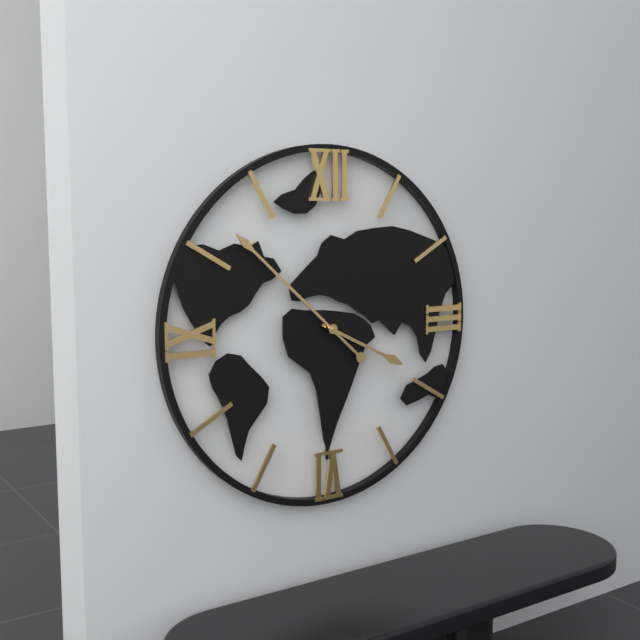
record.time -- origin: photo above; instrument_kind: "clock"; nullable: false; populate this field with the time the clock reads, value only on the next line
3:52
